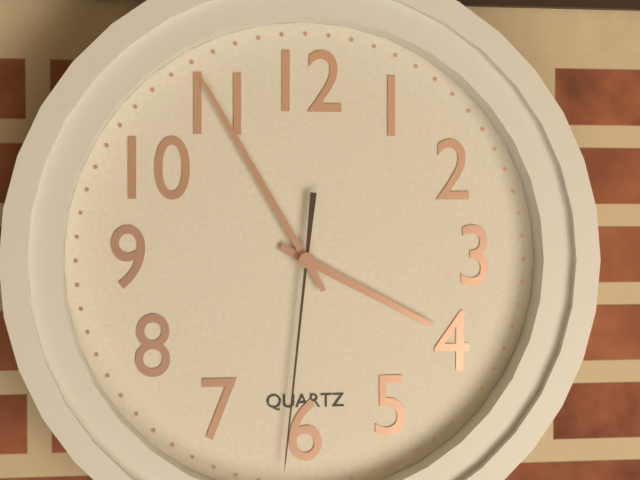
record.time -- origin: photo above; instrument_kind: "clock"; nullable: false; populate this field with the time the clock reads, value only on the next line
3:55:31
